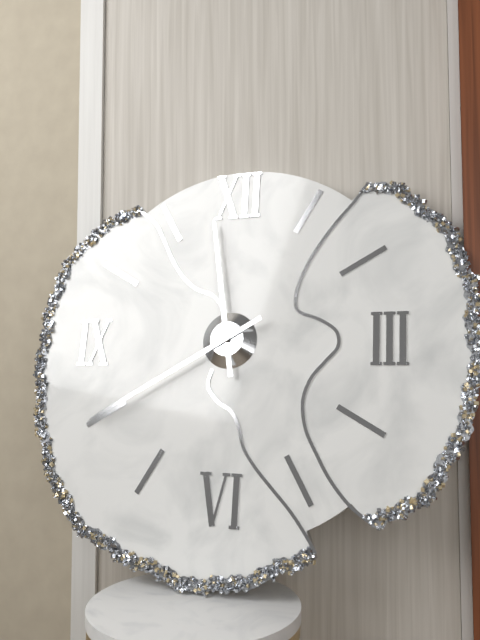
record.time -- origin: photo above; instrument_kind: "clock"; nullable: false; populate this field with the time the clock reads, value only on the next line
11:40
